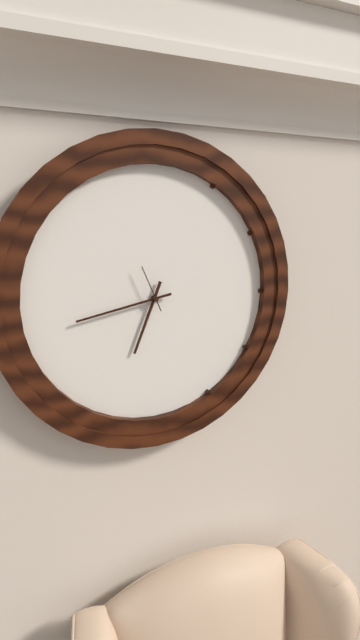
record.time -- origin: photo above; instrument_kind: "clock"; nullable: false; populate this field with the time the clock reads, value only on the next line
6:43
